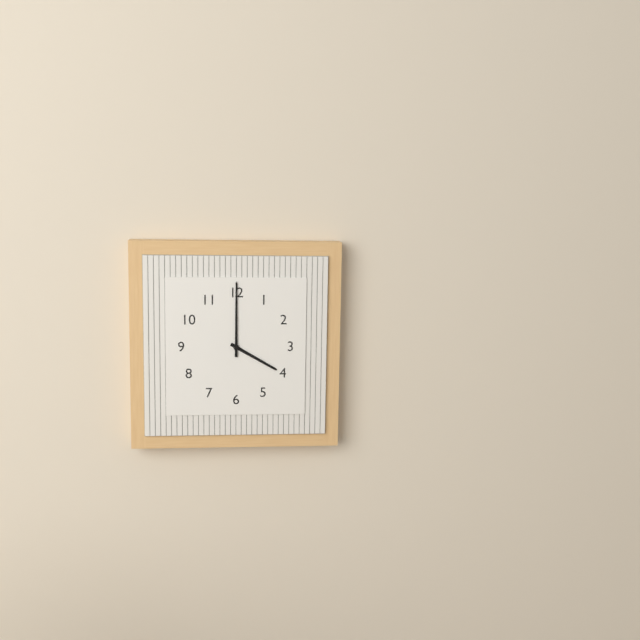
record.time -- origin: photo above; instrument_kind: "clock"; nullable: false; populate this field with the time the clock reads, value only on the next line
4:00
